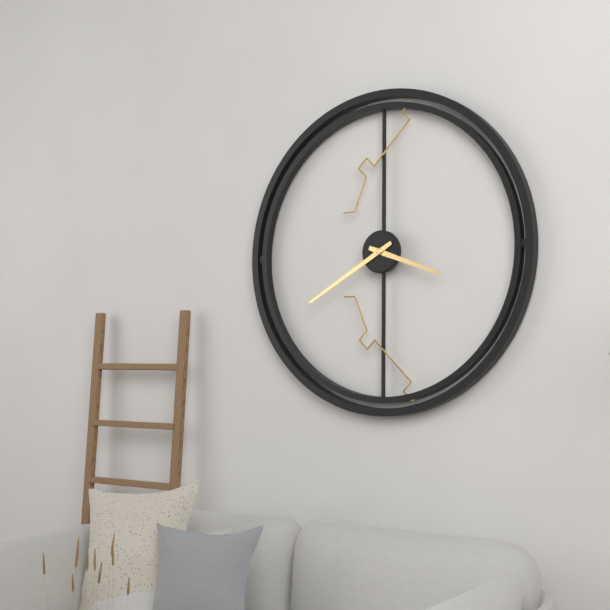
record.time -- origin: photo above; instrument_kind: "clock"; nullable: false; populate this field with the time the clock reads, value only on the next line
3:40
